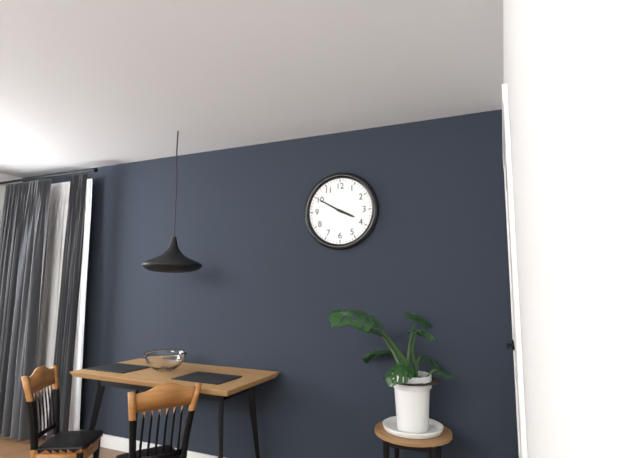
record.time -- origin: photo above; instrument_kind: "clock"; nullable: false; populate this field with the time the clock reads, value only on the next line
3:50
